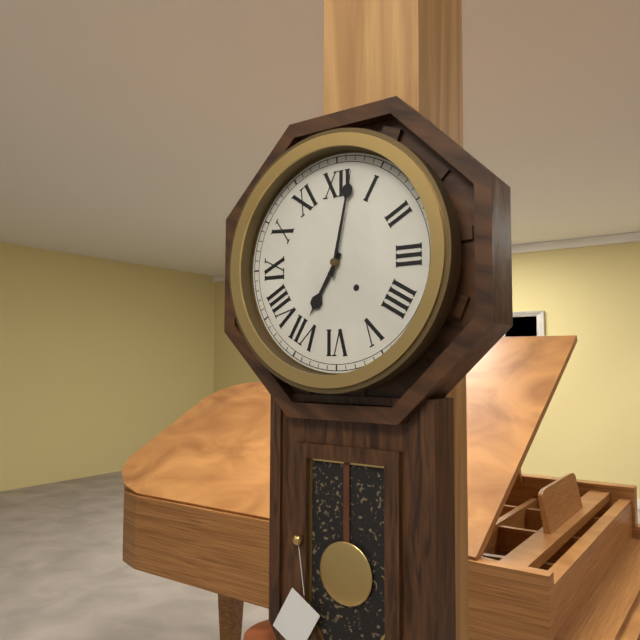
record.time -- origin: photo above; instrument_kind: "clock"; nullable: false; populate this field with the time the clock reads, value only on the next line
7:02
